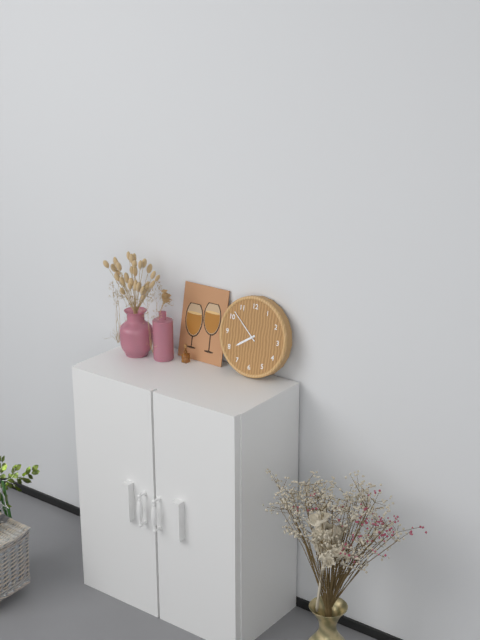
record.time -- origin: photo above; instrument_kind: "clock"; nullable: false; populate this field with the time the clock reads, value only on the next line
7:52
